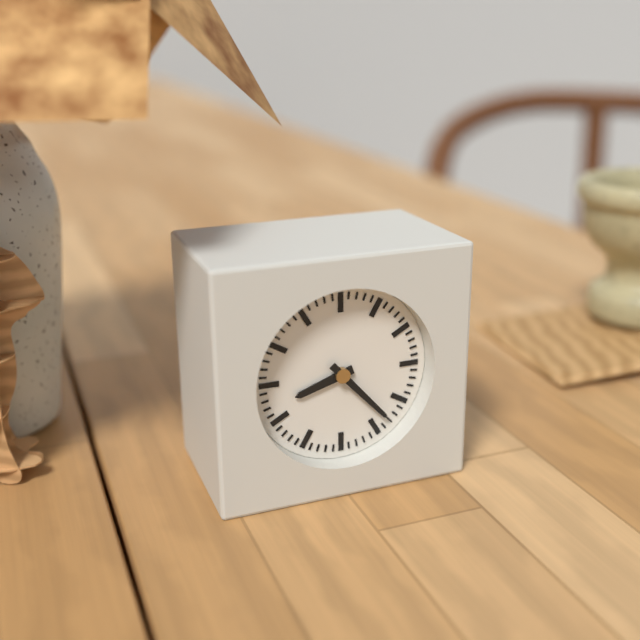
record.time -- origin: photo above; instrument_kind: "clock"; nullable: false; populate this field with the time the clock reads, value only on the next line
8:23
